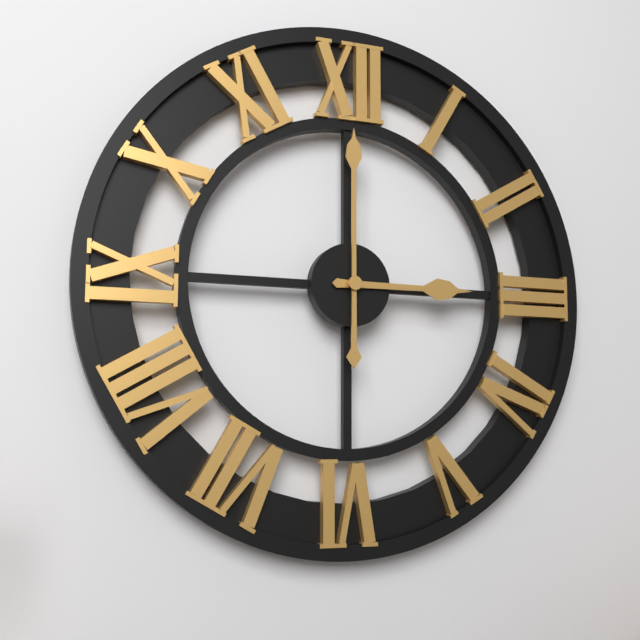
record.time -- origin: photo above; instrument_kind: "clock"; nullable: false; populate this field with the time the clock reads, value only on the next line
3:00
